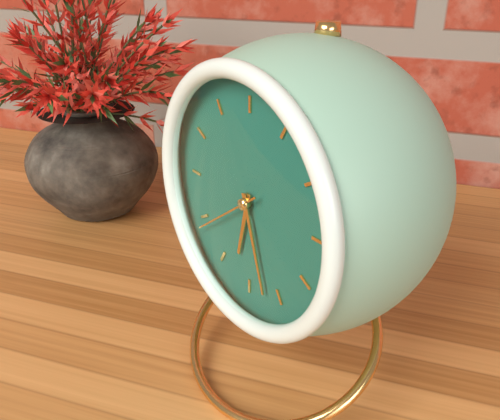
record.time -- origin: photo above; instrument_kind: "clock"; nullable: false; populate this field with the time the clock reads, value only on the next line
6:27:39
